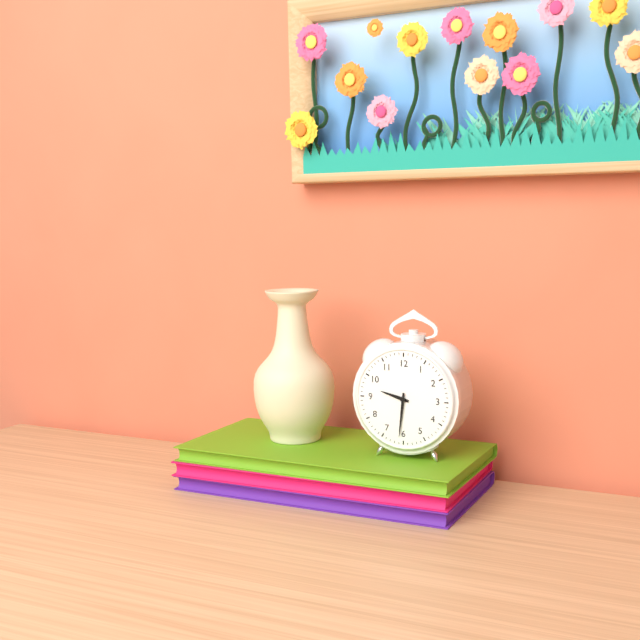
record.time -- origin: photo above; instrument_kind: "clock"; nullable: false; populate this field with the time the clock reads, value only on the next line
9:31
